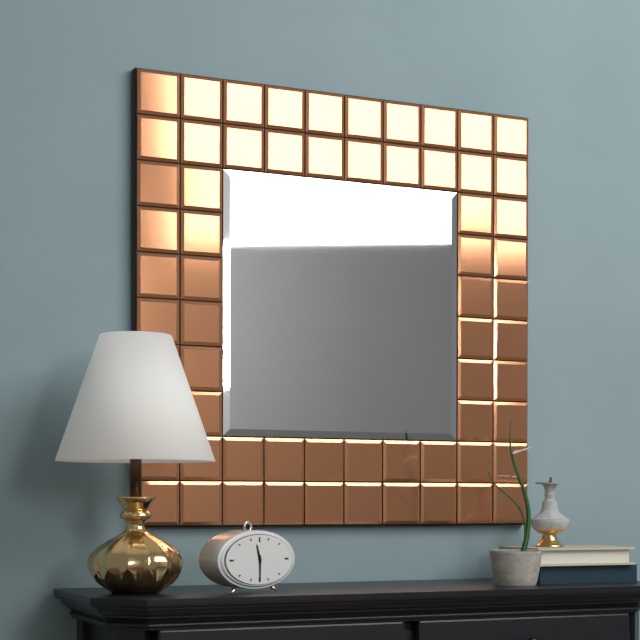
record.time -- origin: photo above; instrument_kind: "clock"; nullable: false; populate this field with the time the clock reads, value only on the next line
11:30
